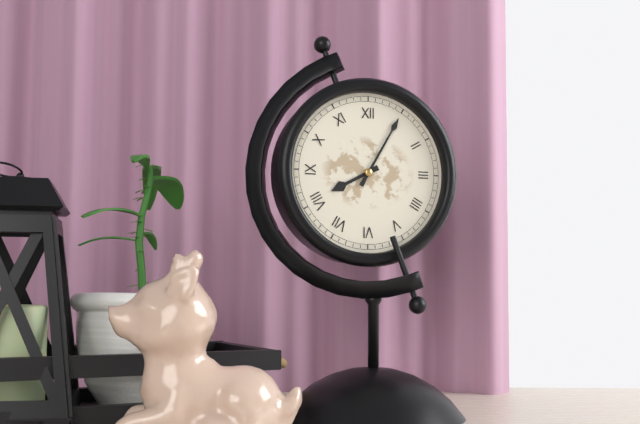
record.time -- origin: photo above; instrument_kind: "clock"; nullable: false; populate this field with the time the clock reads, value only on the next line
8:05
